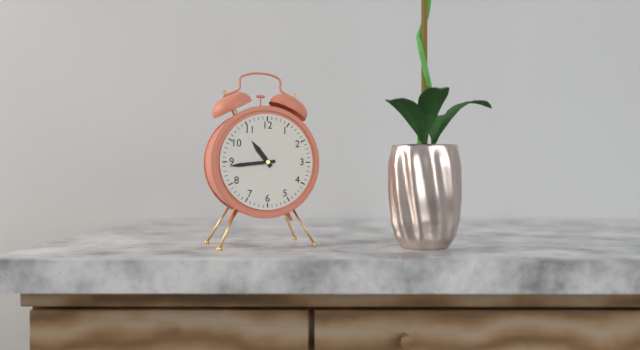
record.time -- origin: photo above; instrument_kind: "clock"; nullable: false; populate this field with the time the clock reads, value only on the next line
10:44
